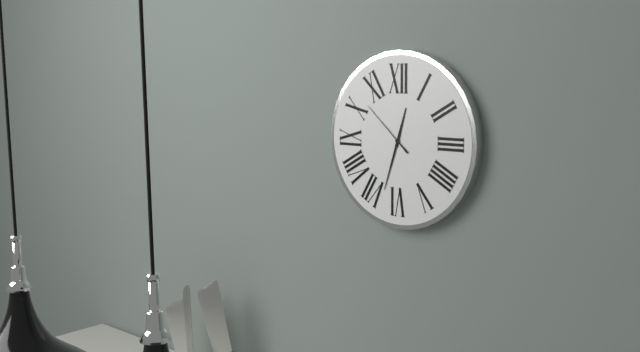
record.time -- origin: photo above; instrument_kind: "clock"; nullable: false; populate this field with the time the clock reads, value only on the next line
12:33:52
